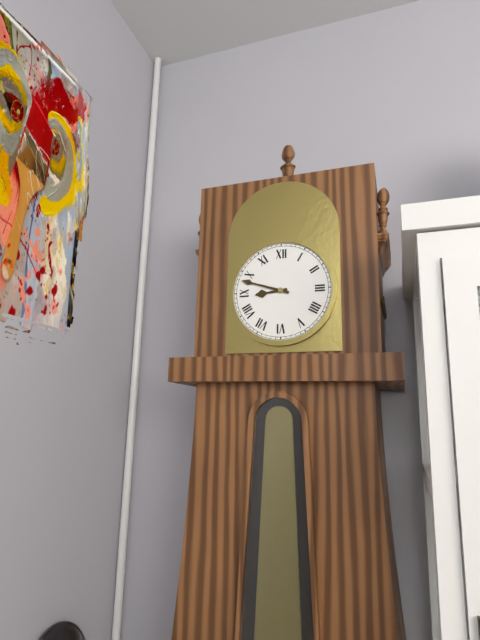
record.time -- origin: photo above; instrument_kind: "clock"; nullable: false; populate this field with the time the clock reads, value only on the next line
8:48
